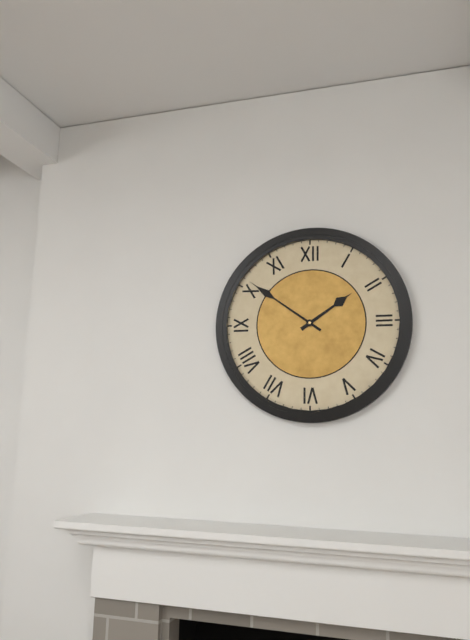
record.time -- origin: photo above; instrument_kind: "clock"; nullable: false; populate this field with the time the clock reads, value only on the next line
1:51
